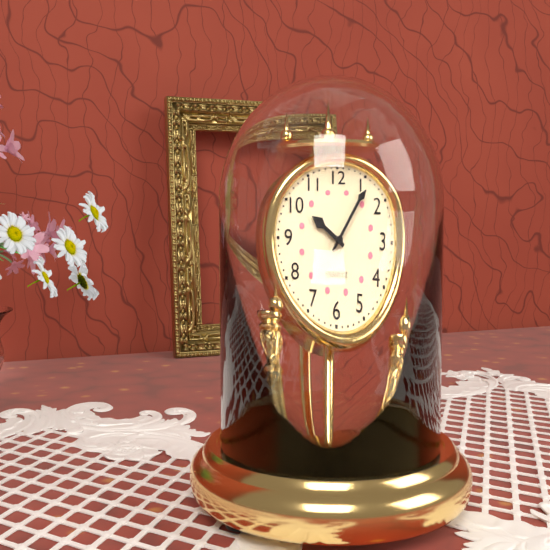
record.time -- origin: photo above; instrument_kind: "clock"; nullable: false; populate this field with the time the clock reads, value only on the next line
10:06
